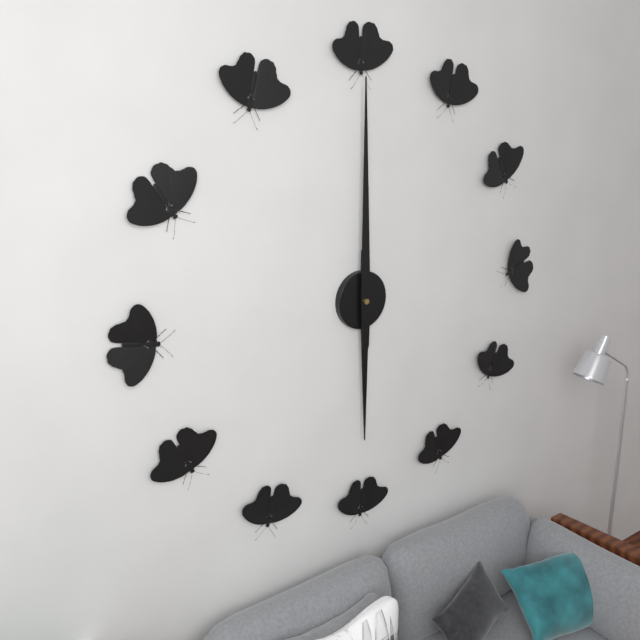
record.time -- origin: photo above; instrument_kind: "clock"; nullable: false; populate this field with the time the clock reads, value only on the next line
6:00
